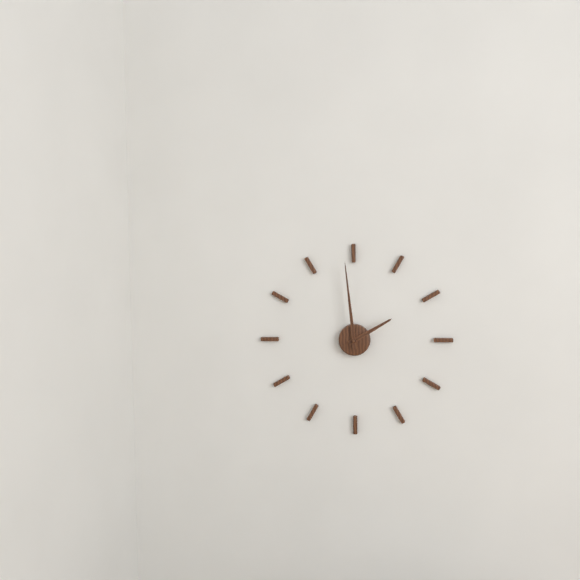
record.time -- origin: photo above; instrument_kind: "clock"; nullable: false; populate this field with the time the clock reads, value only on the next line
1:59
